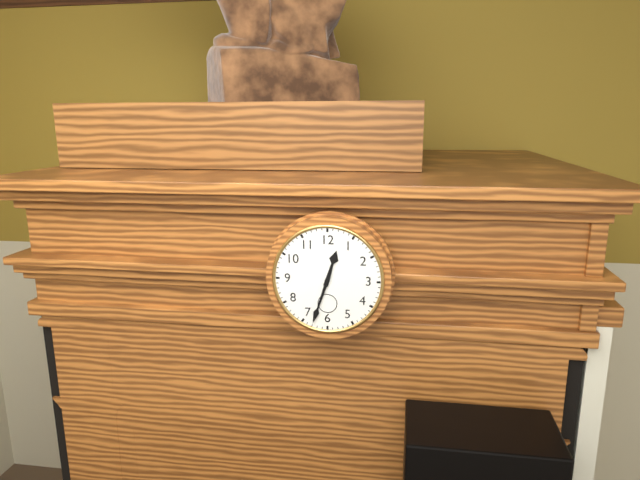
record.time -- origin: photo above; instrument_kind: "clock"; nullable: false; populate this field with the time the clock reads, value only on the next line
12:33
